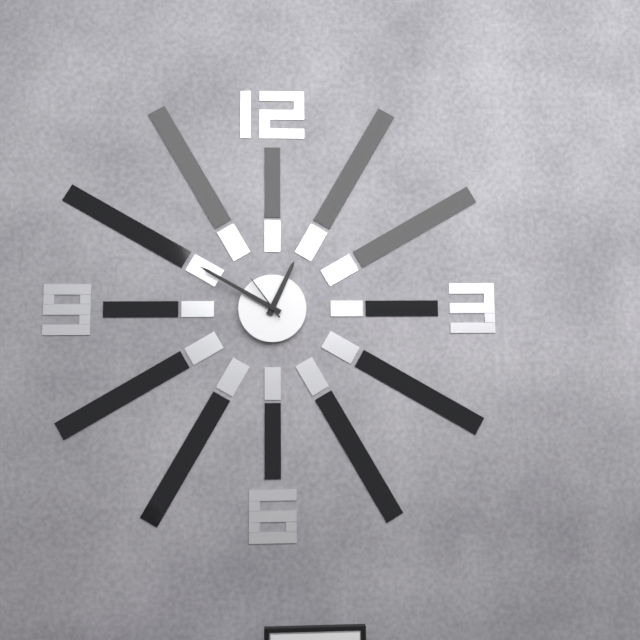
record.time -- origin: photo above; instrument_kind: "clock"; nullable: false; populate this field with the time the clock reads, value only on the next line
12:50:54
